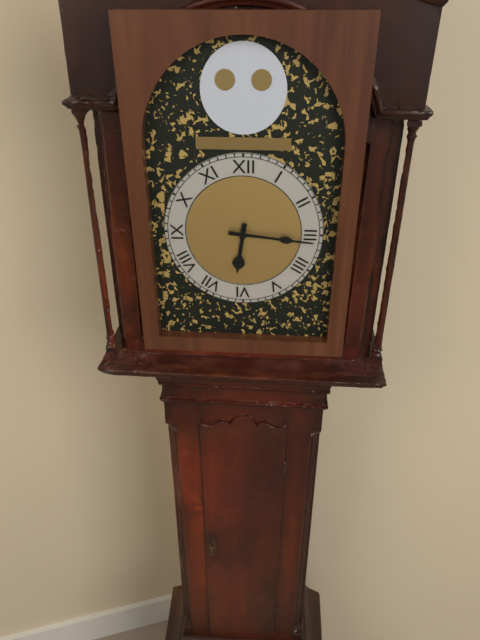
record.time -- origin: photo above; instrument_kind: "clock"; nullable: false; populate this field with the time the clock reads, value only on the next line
6:16
